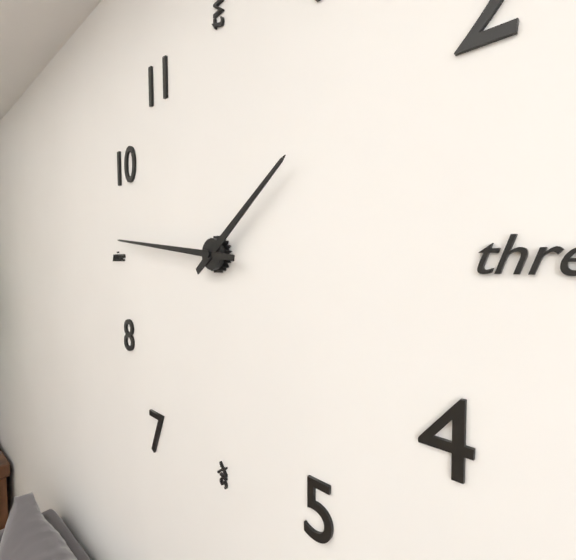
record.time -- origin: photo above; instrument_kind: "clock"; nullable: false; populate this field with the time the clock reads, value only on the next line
1:46
